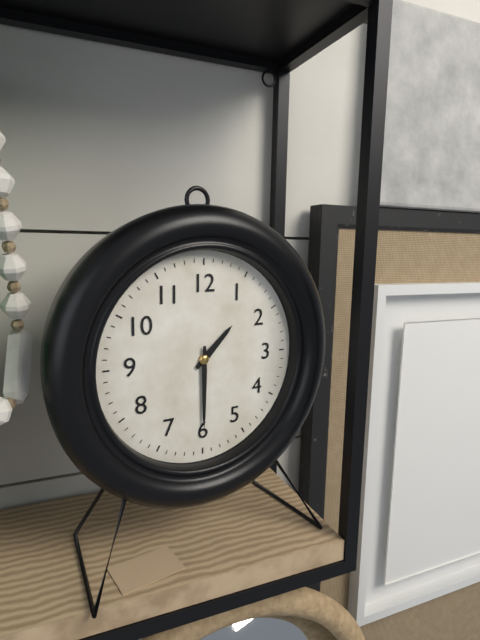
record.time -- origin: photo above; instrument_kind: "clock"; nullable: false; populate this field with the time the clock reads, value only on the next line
1:30
